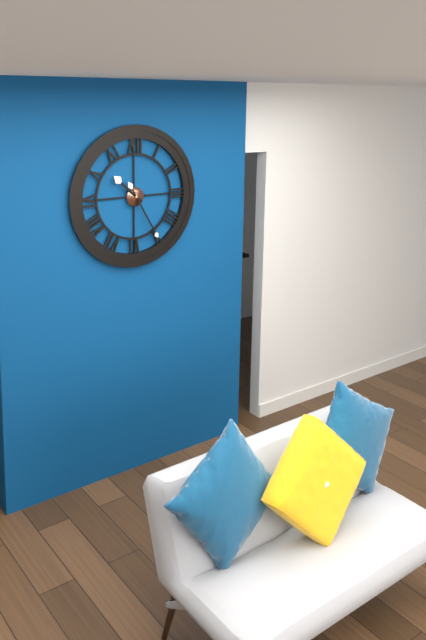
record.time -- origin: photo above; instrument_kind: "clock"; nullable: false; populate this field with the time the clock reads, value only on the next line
10:25
